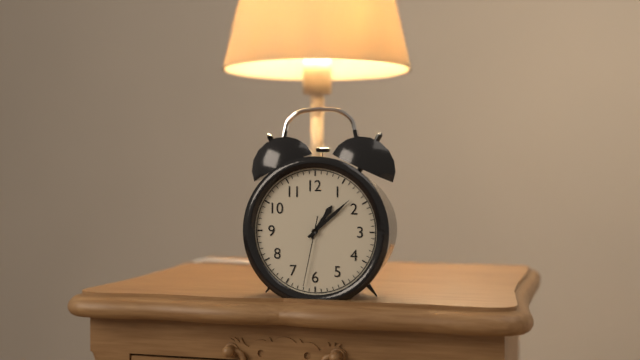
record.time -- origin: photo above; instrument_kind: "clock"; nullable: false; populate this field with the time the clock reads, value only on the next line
1:08:32
